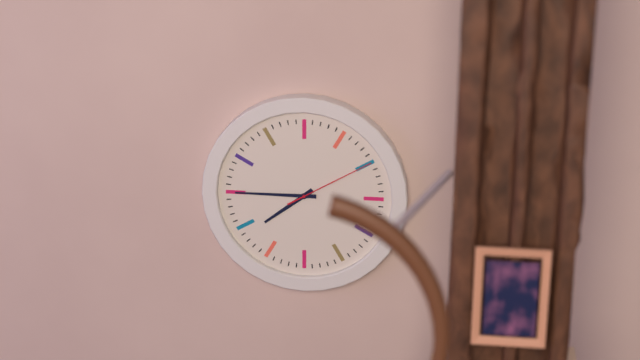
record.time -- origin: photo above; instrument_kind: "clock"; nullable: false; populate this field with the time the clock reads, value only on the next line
7:45:10
